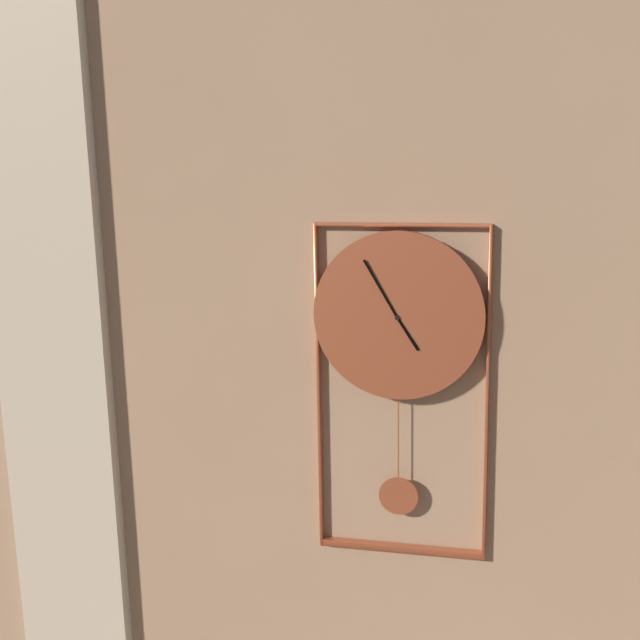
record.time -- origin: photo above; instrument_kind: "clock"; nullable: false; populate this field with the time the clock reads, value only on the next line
4:55
